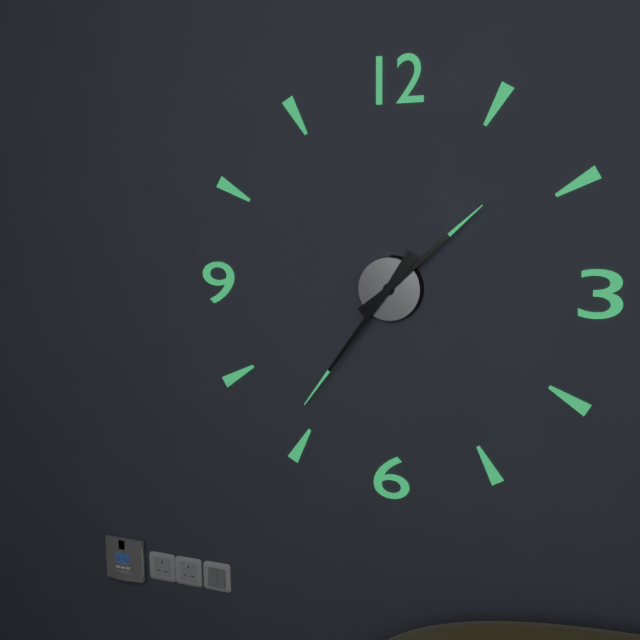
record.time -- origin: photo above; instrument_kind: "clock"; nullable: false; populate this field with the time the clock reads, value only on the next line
1:36
